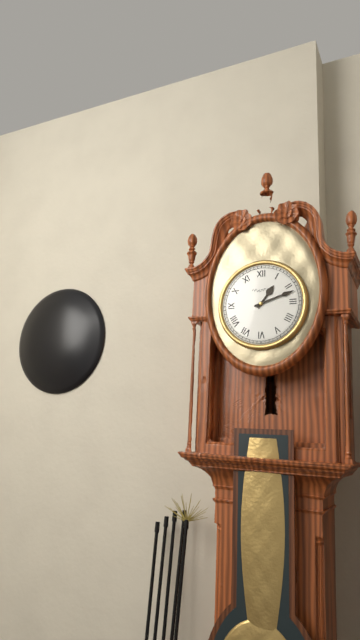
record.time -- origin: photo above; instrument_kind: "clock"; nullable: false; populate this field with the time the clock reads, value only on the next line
1:12
